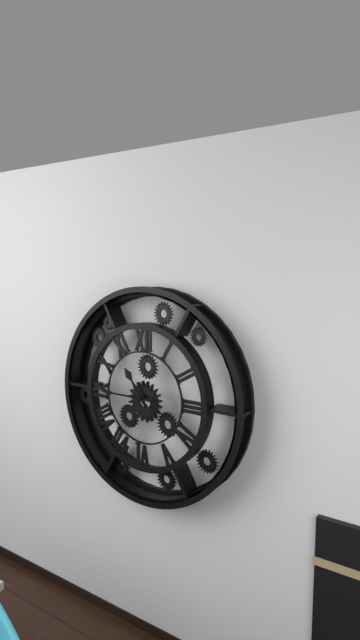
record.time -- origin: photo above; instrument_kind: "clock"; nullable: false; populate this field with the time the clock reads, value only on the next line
10:45
